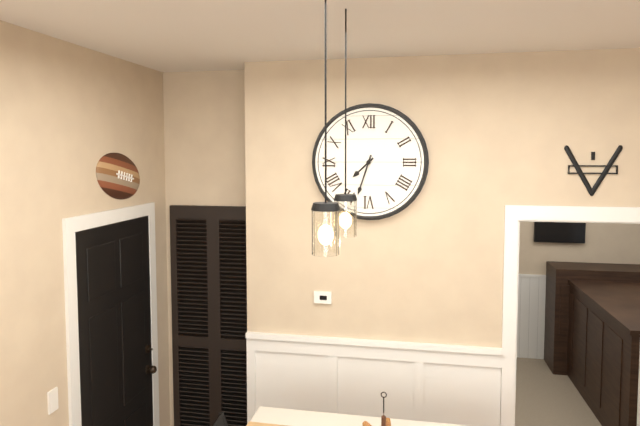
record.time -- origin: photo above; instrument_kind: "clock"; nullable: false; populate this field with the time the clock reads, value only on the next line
7:33
